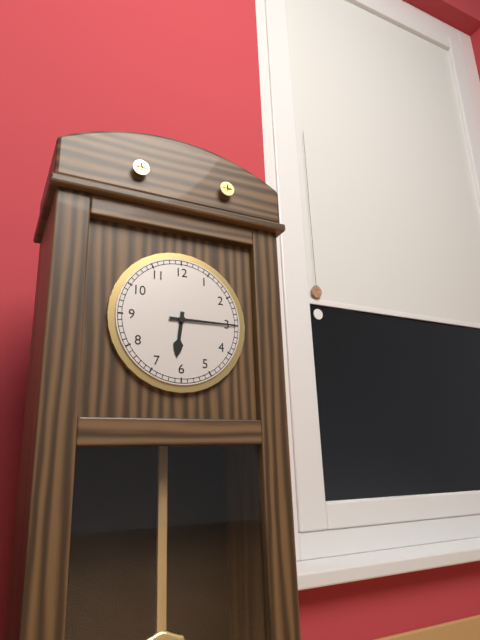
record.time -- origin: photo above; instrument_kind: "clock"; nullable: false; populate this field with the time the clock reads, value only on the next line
6:15
